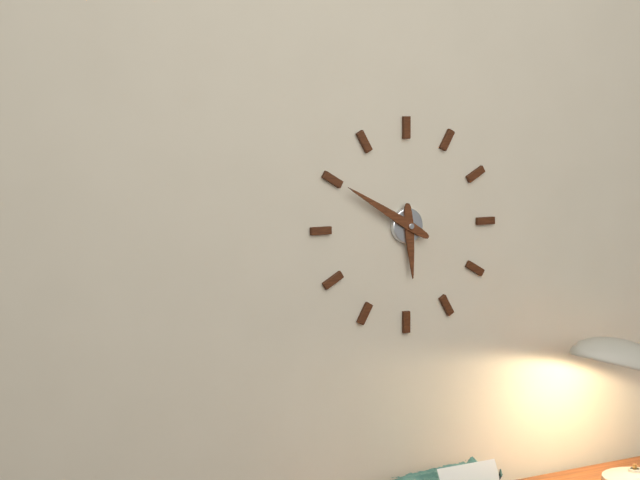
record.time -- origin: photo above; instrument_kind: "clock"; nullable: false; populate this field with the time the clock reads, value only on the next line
5:50
